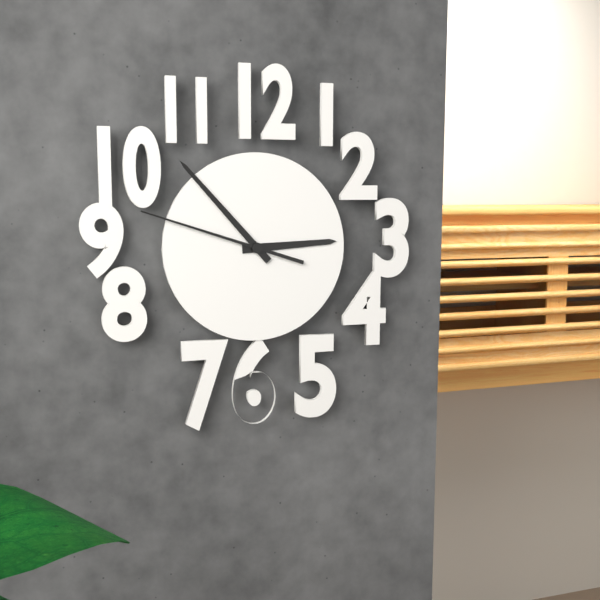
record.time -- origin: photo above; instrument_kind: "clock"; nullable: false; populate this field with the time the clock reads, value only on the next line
2:53:48
